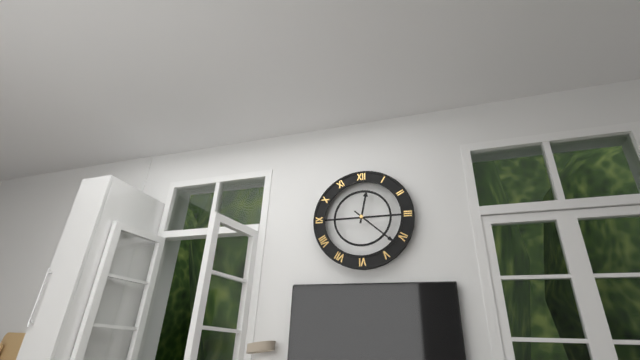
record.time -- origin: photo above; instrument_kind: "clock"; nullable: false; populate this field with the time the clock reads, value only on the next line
12:22
